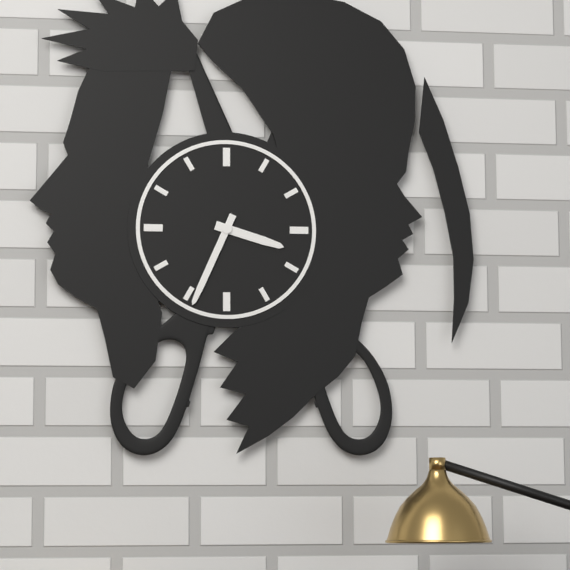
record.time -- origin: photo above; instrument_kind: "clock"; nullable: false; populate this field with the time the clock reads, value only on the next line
3:34
